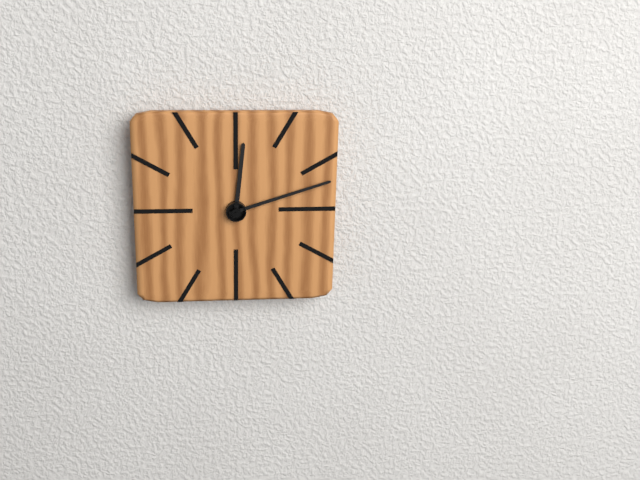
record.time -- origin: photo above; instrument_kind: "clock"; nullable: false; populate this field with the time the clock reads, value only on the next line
12:12
